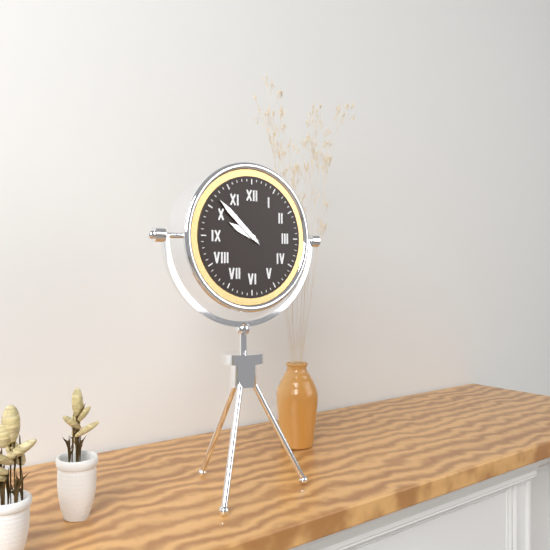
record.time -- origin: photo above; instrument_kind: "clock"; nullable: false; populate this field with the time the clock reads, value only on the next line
9:52
